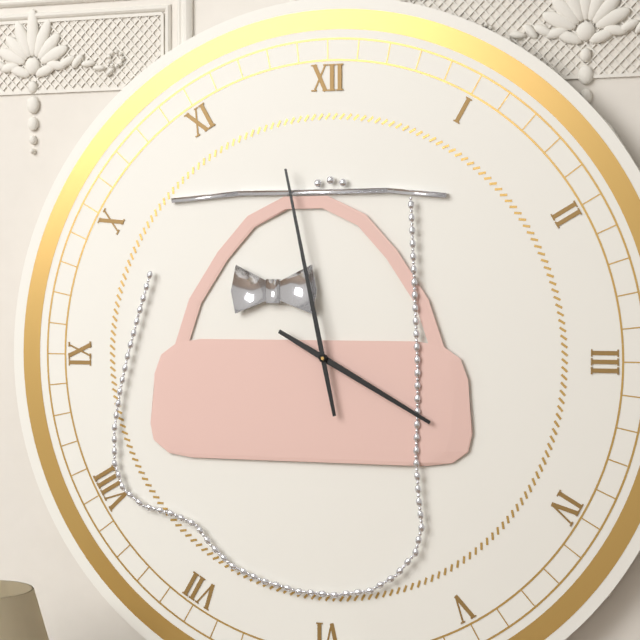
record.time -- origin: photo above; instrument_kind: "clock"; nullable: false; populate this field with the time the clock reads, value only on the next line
3:58
